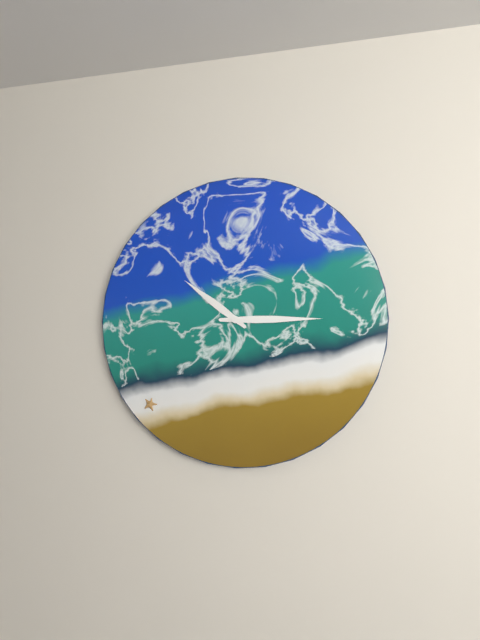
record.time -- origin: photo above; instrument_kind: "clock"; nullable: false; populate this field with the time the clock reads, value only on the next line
10:15
